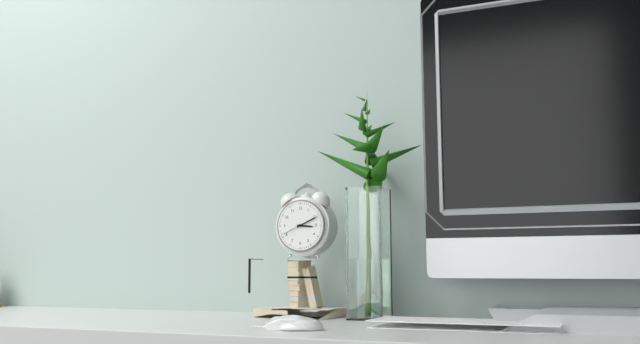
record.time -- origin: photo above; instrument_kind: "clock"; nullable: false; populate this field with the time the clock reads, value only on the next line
3:11
